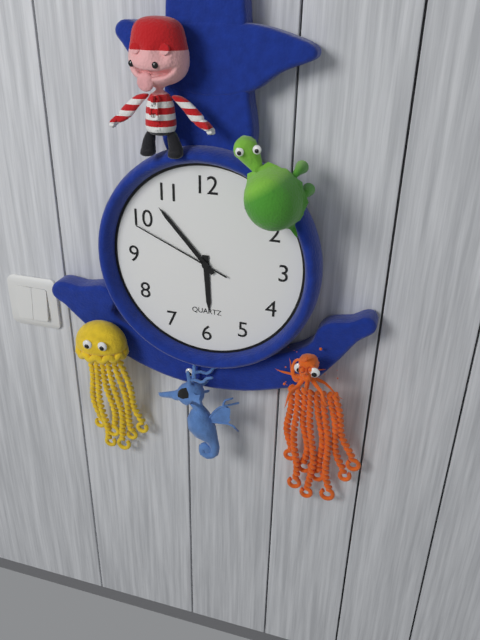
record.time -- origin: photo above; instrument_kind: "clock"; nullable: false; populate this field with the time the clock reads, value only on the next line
5:53:49
